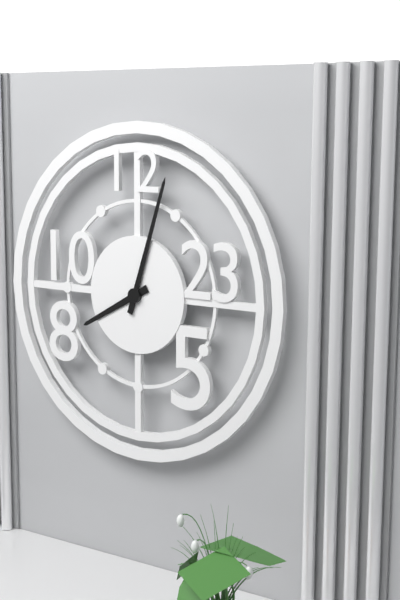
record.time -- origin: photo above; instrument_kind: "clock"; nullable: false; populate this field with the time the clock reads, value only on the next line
8:03
